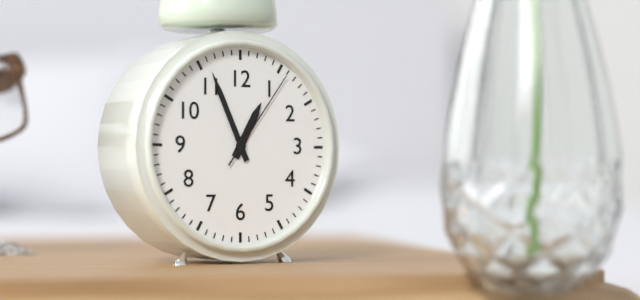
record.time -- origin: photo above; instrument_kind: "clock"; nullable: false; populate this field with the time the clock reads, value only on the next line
12:56:06
